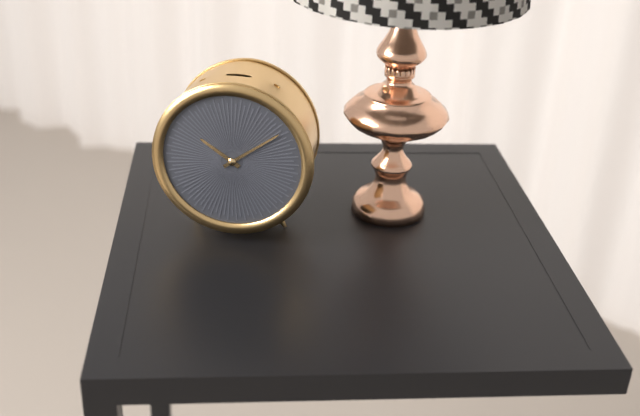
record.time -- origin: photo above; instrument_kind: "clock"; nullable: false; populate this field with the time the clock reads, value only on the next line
10:09
